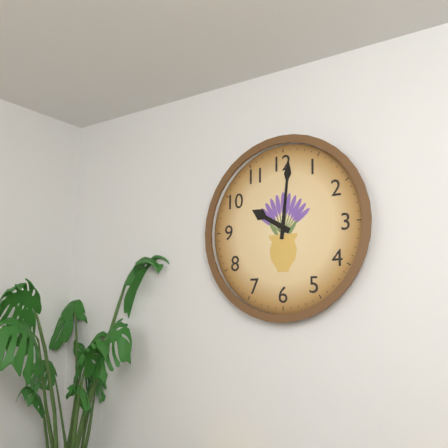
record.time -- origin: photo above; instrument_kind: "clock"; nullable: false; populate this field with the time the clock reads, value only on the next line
10:01
